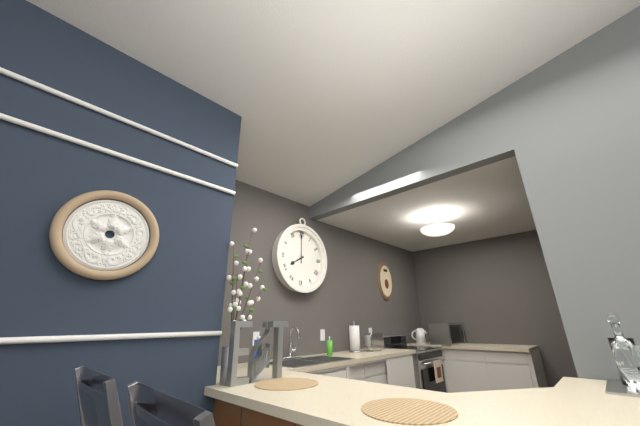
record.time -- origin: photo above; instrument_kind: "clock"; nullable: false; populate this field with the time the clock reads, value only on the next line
8:00
